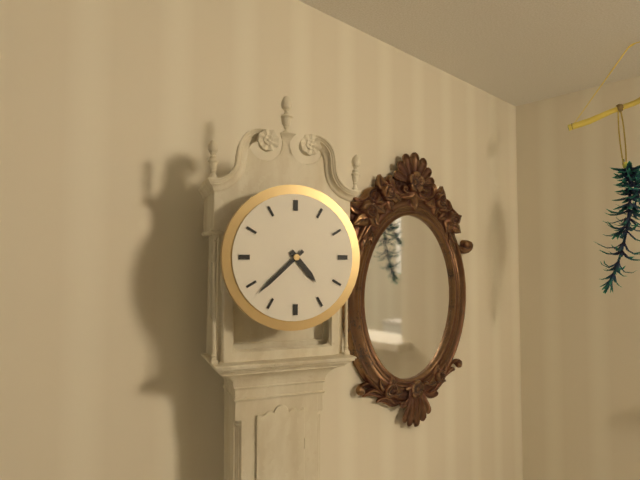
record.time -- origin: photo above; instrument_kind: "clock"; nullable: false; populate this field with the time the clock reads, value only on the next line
4:38
